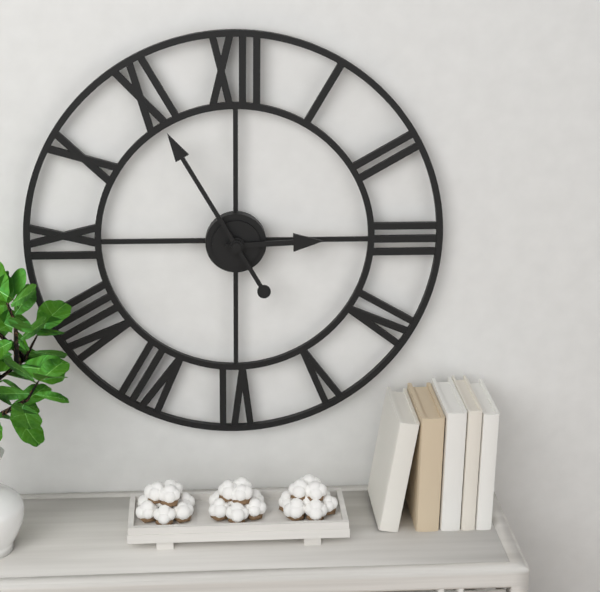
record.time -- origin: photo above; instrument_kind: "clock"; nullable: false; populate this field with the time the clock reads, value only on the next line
2:55
